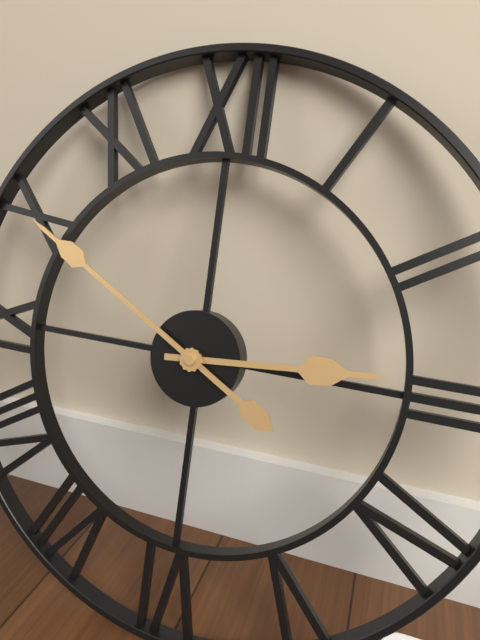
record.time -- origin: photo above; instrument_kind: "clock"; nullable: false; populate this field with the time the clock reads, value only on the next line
2:50
